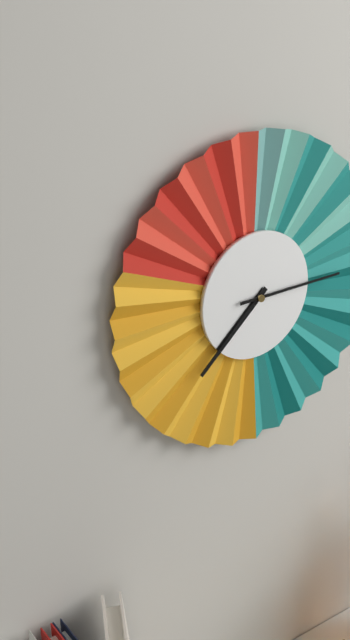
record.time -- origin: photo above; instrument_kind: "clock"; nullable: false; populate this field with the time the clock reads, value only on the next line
7:38:15
